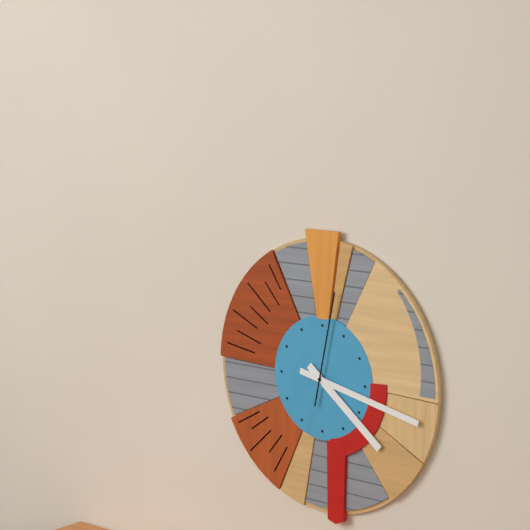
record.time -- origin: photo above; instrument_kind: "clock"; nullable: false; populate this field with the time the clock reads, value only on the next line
4:17:02
